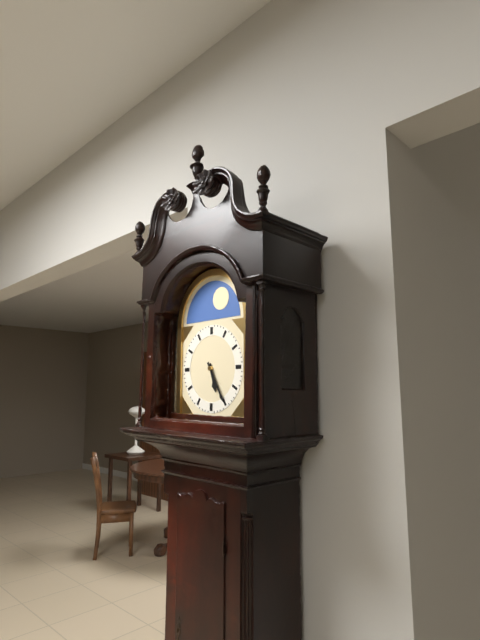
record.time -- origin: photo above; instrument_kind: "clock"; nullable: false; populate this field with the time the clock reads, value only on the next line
5:25
